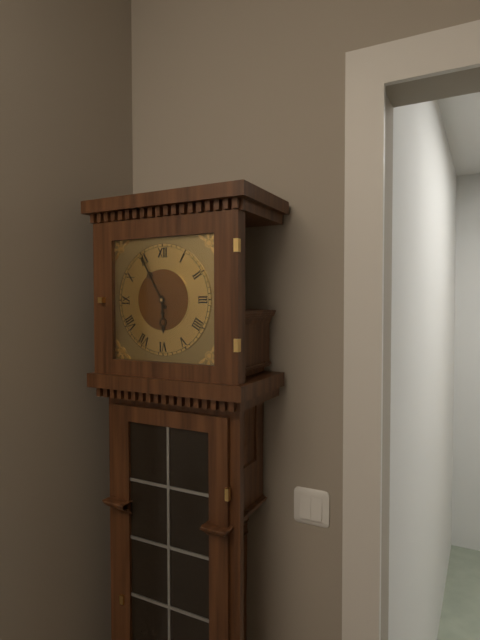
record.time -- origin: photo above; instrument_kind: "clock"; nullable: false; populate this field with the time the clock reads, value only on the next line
5:55
